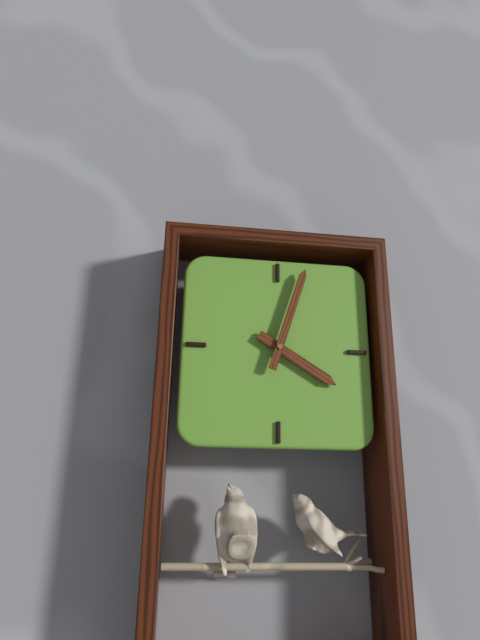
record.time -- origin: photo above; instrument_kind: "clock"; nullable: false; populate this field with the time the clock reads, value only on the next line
4:03
